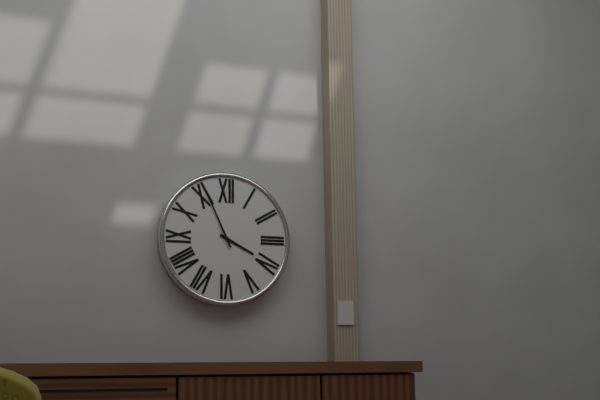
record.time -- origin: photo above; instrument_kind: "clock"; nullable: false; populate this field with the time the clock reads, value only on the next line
3:56
